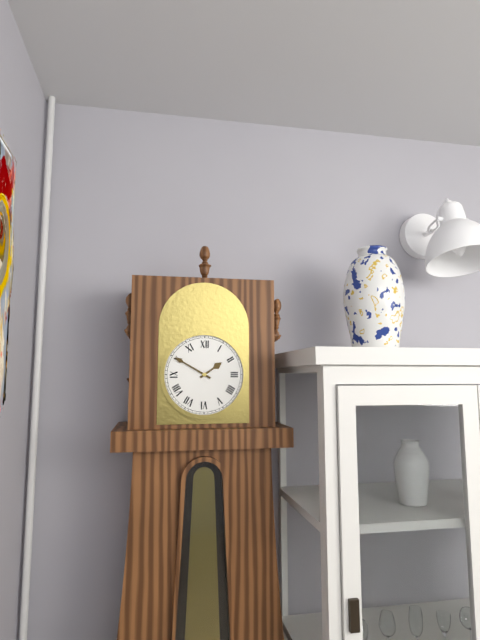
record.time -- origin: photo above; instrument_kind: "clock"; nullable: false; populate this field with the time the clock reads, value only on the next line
1:50
